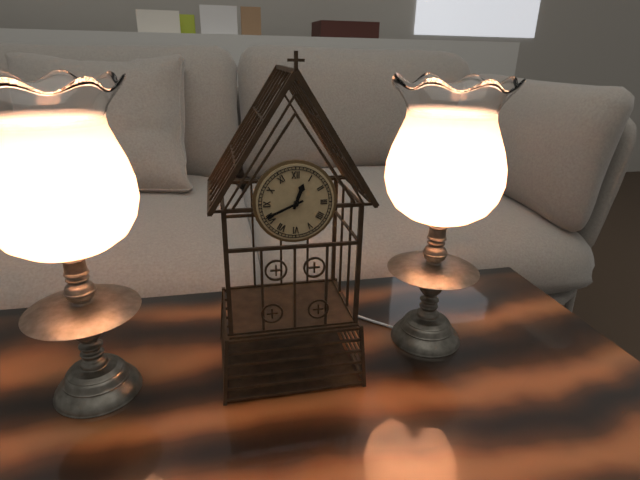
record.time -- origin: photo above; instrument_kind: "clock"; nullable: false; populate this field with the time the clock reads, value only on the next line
12:41
